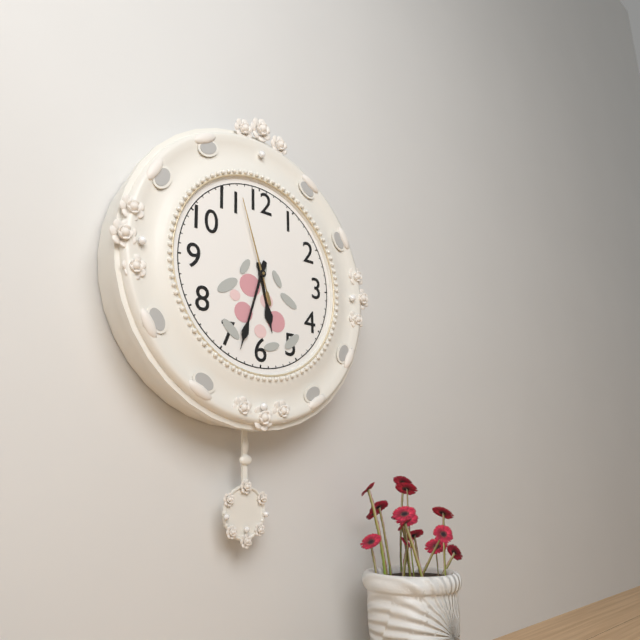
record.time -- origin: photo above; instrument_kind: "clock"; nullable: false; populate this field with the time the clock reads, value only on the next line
5:33:57
